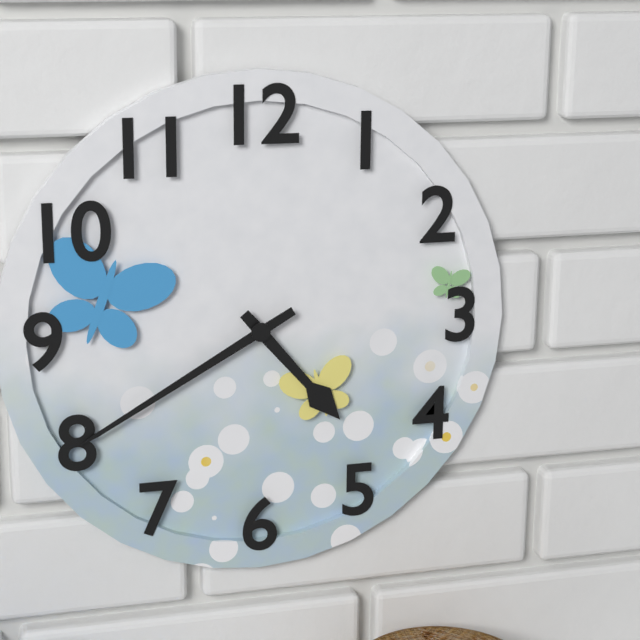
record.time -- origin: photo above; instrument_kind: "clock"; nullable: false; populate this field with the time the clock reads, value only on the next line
4:40
